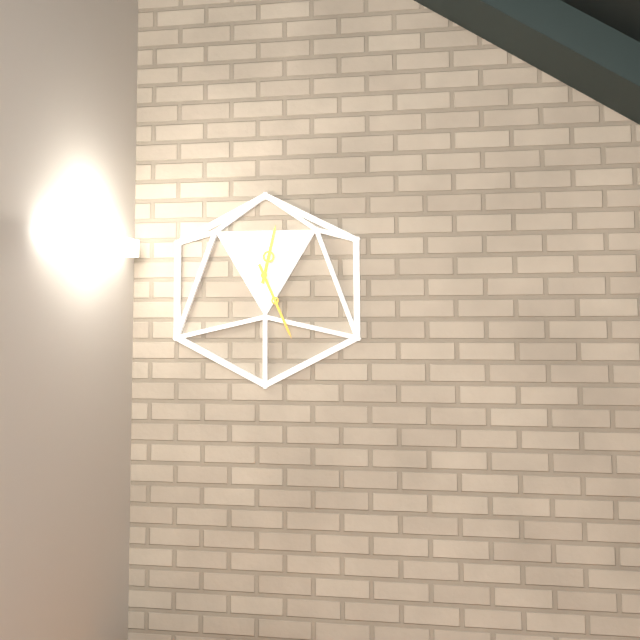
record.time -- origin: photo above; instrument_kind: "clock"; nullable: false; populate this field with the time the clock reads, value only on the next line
12:26
